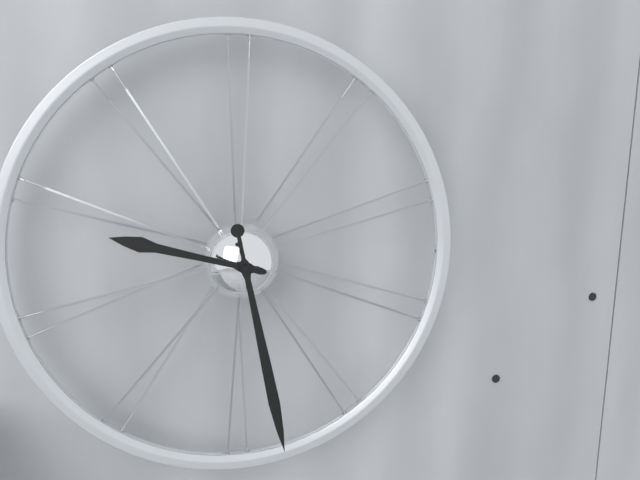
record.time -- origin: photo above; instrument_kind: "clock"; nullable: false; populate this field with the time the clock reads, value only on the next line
9:28
